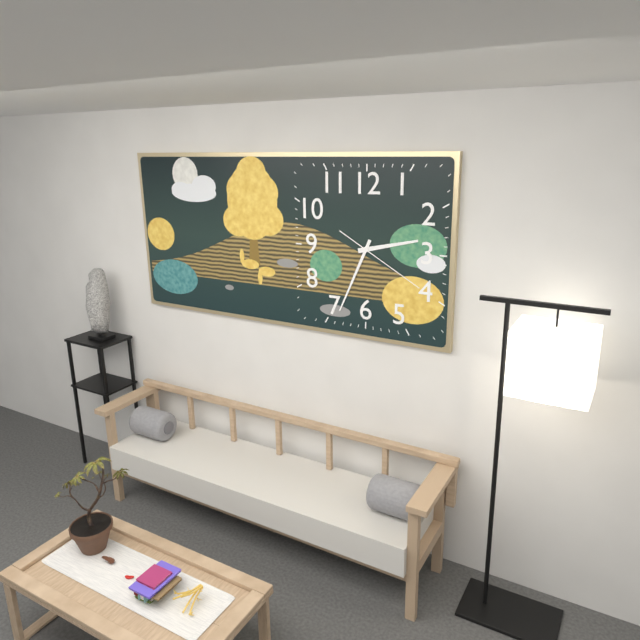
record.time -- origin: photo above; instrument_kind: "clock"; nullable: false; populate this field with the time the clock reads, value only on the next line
2:34:20
